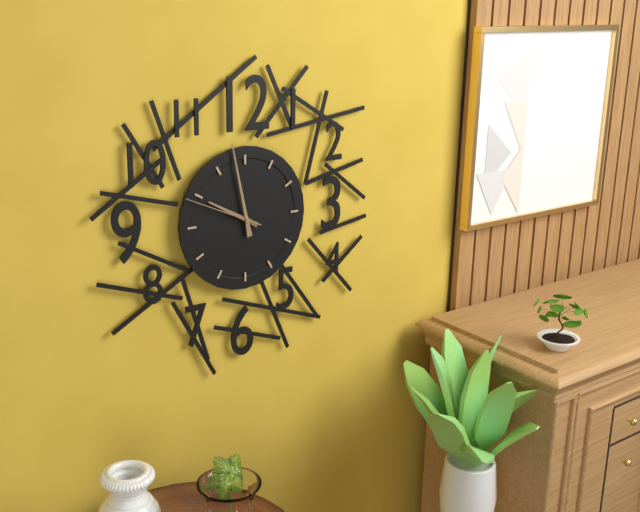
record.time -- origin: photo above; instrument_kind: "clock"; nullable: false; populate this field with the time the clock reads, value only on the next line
9:58:49
